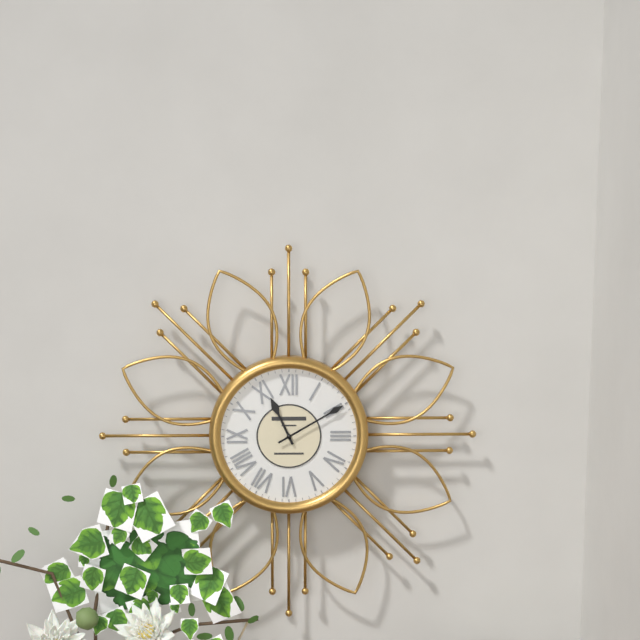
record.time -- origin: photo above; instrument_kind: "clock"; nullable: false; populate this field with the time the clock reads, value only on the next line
11:10
